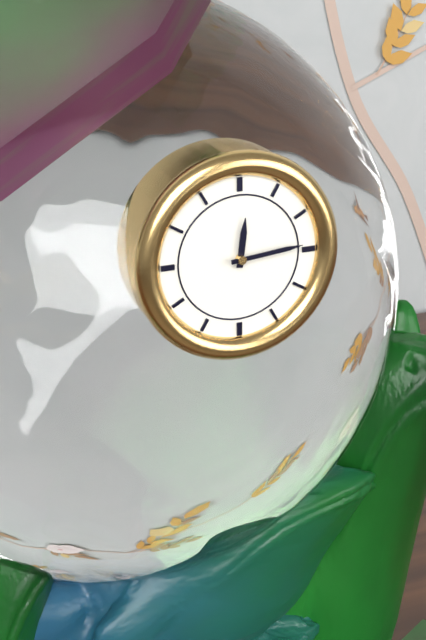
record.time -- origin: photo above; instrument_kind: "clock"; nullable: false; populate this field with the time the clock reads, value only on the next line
12:14
